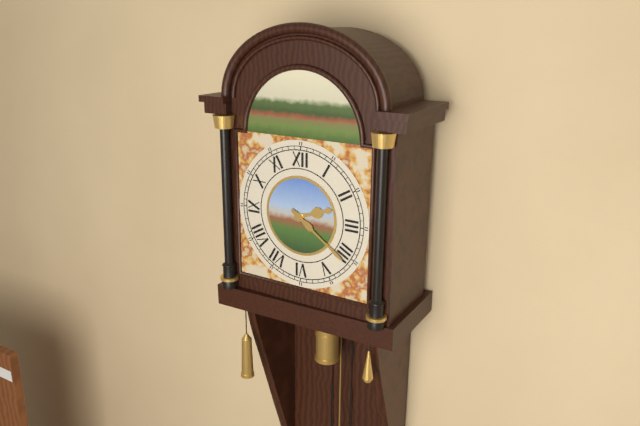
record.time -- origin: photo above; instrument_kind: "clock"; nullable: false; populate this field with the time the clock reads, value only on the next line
2:21
